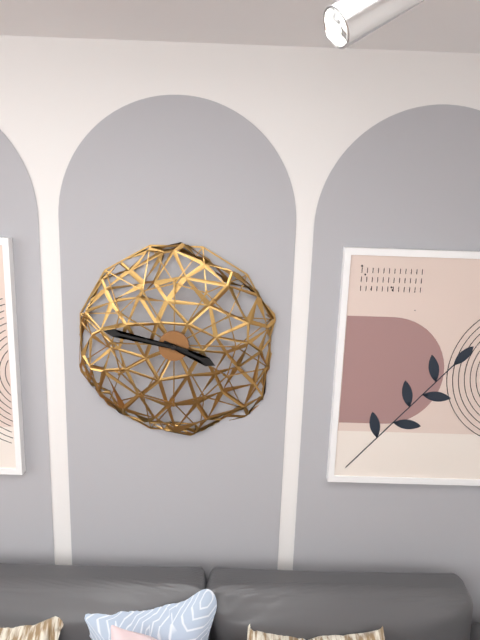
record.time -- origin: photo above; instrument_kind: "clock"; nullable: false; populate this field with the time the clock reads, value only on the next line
3:47
